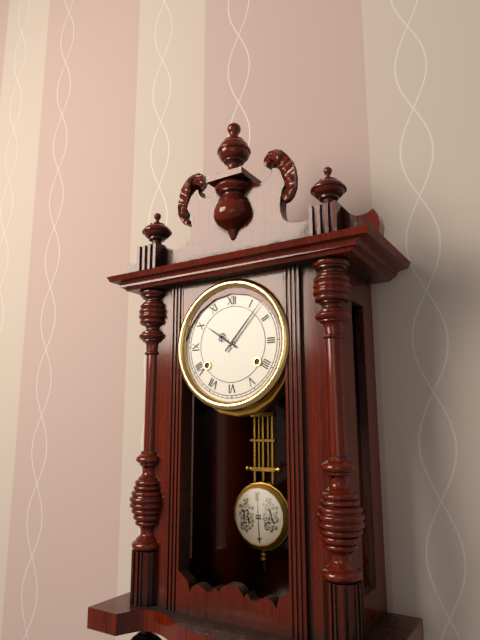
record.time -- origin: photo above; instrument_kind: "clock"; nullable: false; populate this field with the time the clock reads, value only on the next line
10:07
